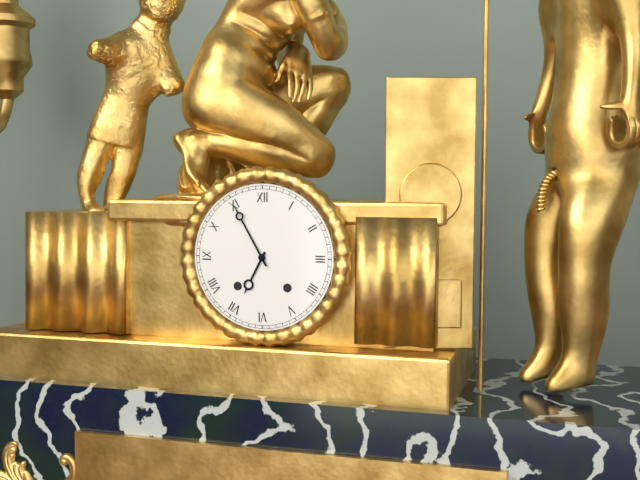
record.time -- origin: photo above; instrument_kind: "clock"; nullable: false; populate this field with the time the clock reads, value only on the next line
6:55
